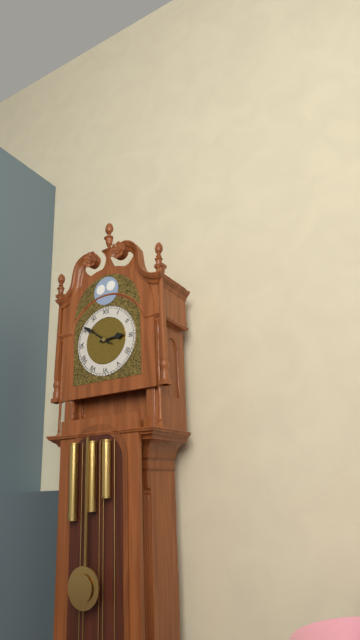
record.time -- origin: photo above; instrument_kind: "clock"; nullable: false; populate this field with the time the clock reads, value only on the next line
2:51
